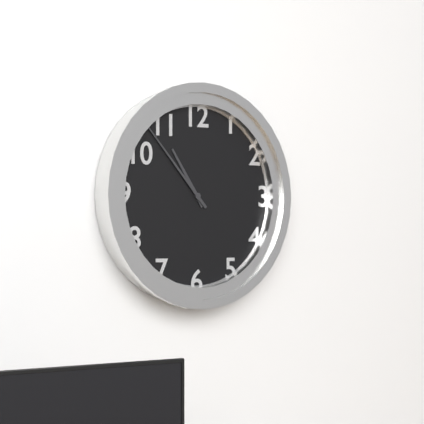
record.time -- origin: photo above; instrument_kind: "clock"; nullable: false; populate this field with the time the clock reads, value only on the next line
10:53
